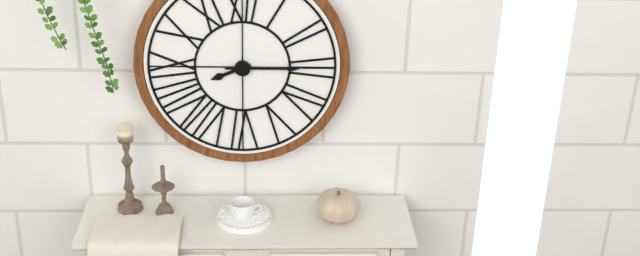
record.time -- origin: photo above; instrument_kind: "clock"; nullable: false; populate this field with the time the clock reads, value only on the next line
8:15
